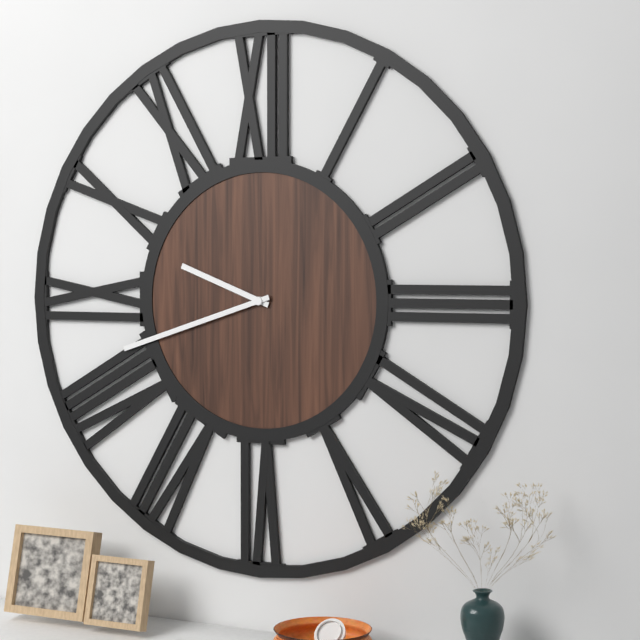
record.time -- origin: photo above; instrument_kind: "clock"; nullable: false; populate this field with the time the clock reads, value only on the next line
9:42
